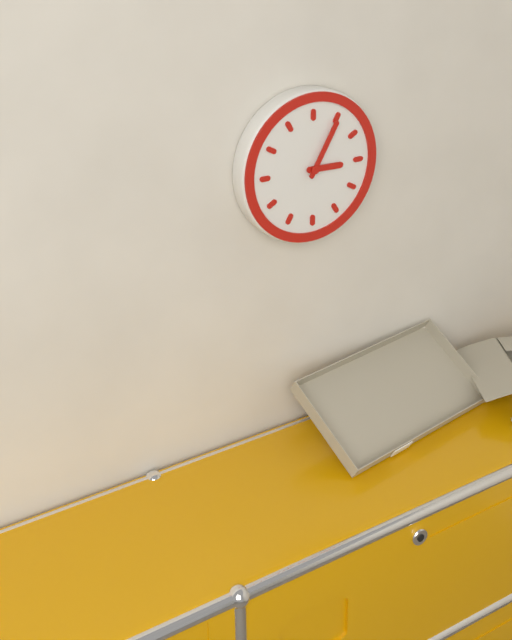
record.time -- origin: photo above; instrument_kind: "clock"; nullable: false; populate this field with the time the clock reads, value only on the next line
3:05
